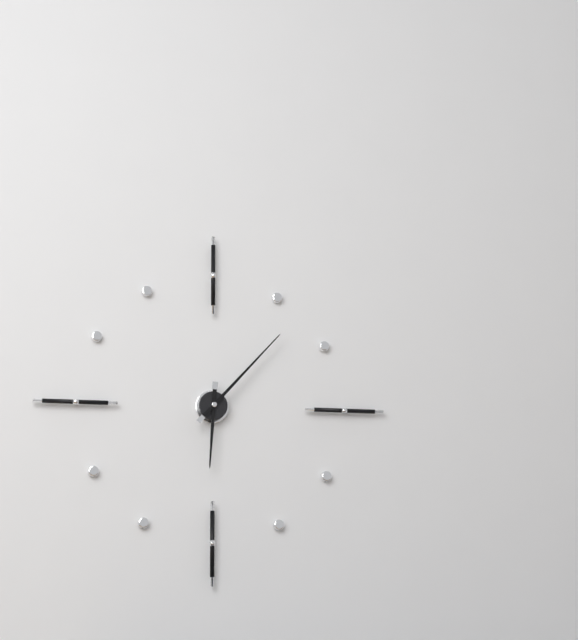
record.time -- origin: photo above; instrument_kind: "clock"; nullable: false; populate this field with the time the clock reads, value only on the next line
6:07
